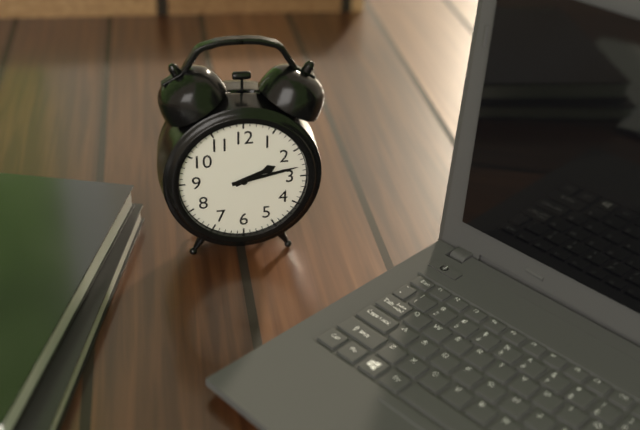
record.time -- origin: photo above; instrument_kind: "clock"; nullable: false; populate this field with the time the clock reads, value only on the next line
2:13
